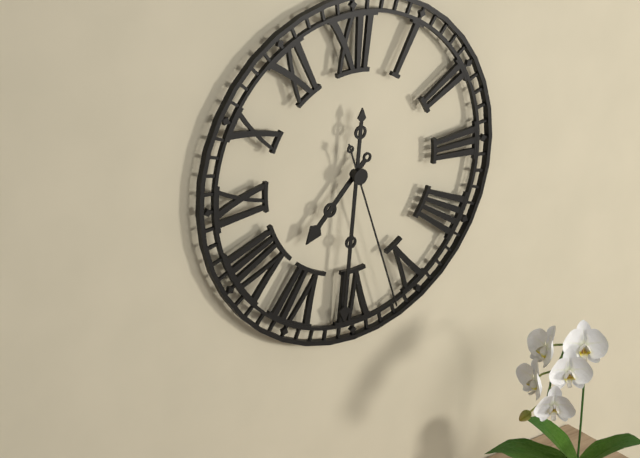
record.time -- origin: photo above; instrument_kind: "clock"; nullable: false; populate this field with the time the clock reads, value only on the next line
7:31:27
